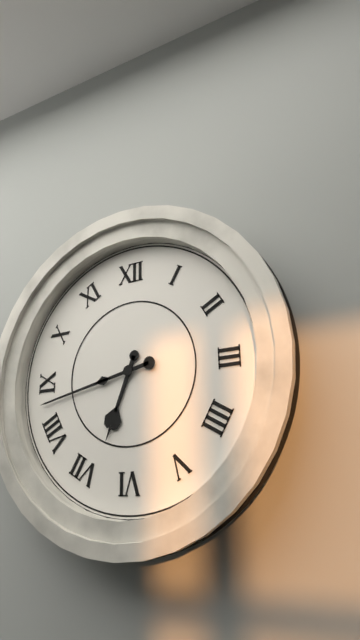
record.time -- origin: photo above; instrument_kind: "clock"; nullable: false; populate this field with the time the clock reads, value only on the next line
6:43
